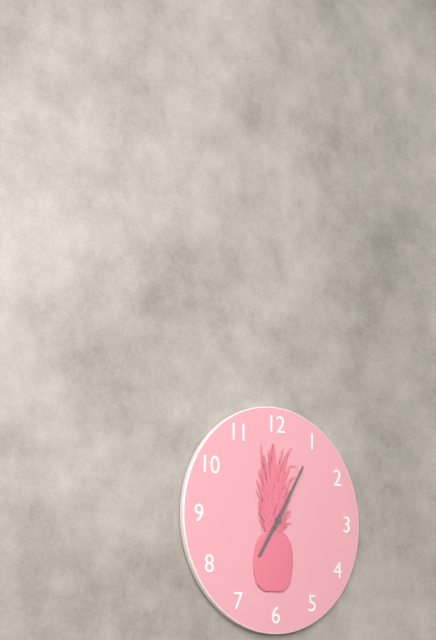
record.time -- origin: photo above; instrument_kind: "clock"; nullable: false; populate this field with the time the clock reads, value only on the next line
7:05
